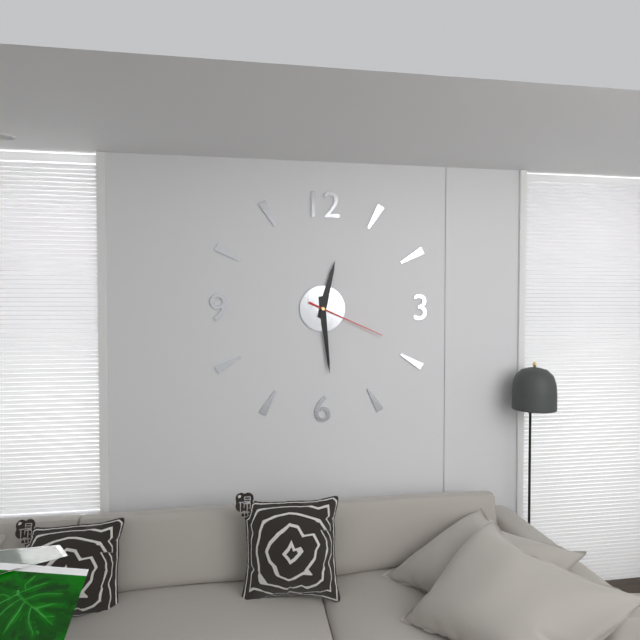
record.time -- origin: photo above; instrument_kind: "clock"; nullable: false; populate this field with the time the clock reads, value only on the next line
12:29:19
